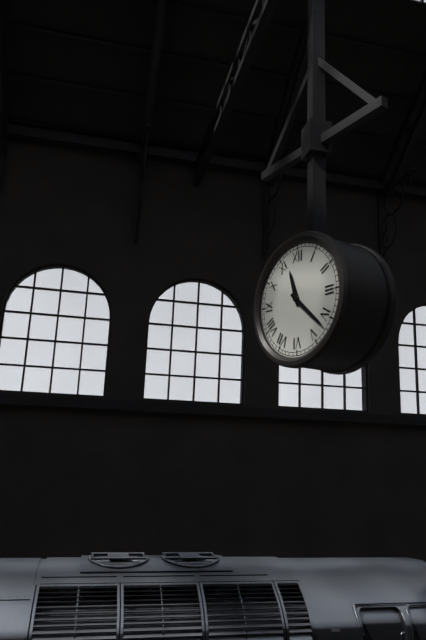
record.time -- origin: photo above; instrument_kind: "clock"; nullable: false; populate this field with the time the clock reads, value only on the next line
11:22
